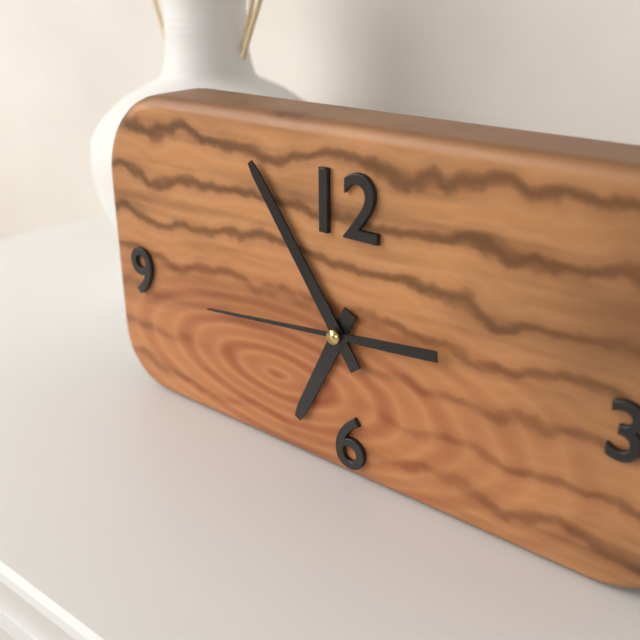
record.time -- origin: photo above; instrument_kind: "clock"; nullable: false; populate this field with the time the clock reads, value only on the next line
6:54:44
